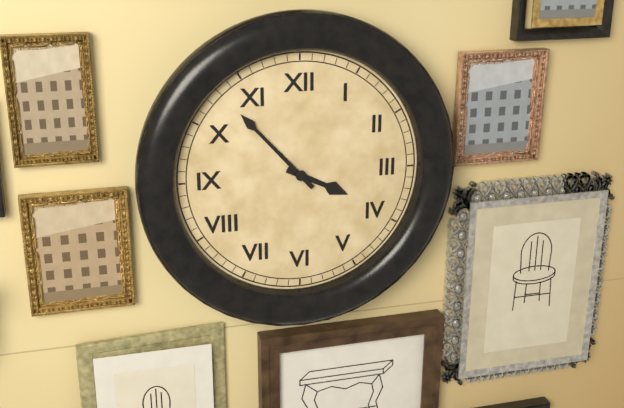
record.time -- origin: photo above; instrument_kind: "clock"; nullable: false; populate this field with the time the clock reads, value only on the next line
3:53
